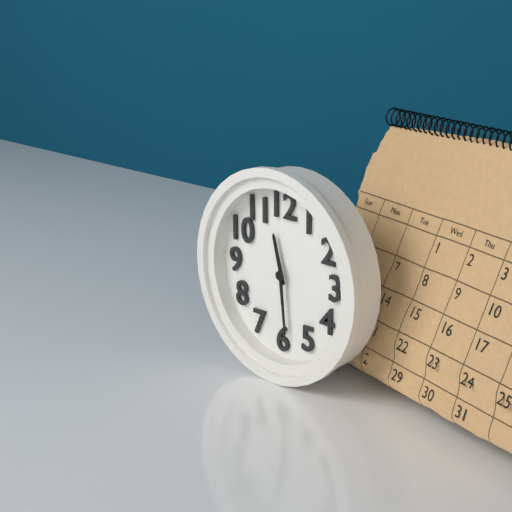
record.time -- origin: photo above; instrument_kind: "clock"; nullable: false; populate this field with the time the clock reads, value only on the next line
11:29
